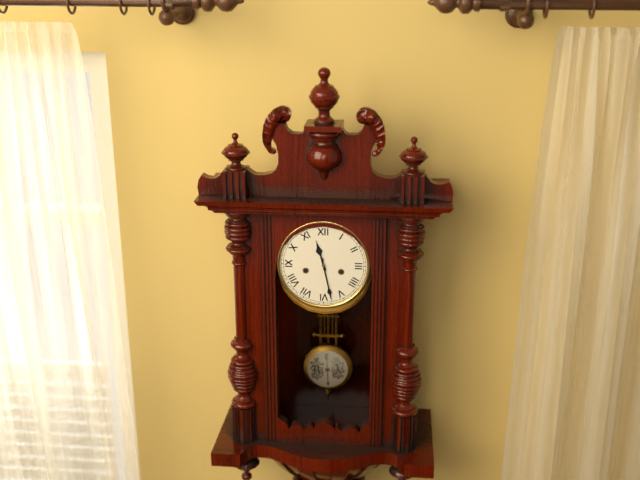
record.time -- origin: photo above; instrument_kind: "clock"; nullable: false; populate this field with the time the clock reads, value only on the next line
11:28
